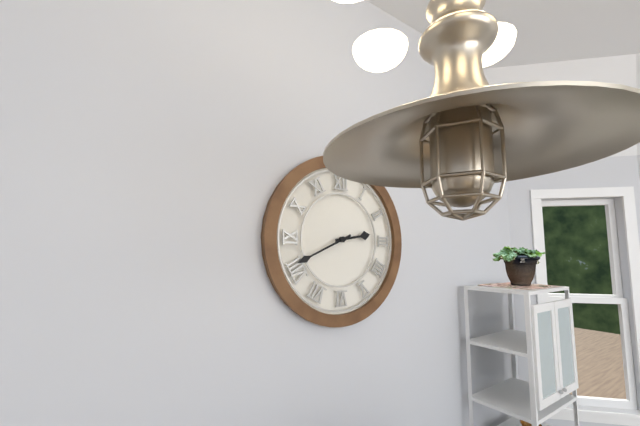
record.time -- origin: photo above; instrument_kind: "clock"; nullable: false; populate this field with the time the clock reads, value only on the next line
2:41
